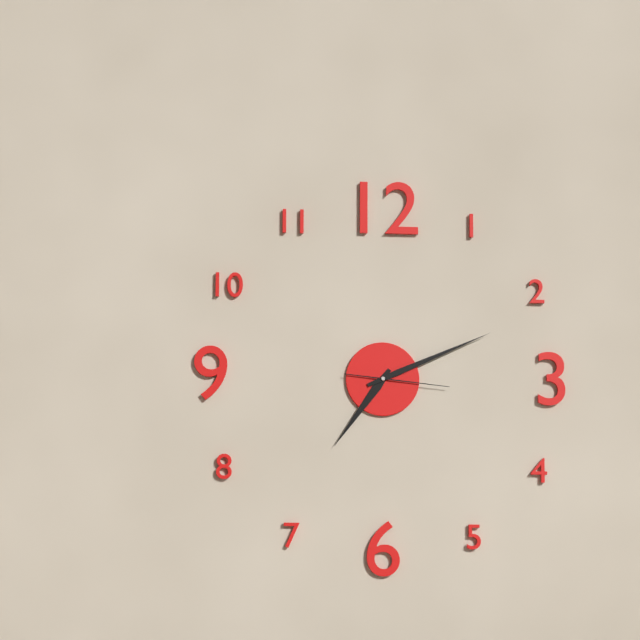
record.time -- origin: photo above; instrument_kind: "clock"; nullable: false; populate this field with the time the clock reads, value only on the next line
7:11:16
